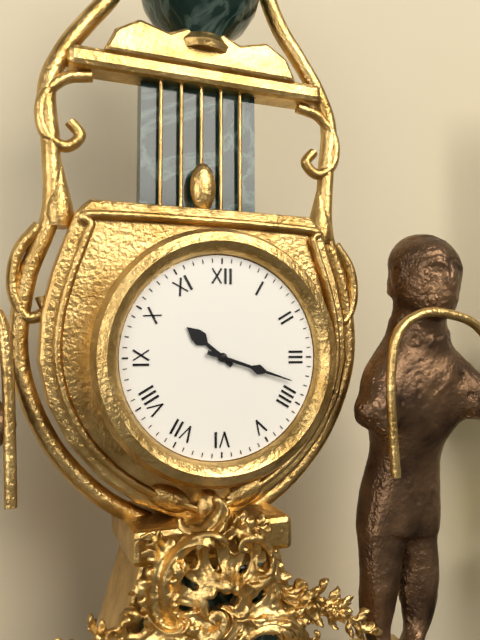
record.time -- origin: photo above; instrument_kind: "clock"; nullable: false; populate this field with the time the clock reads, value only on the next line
10:18
